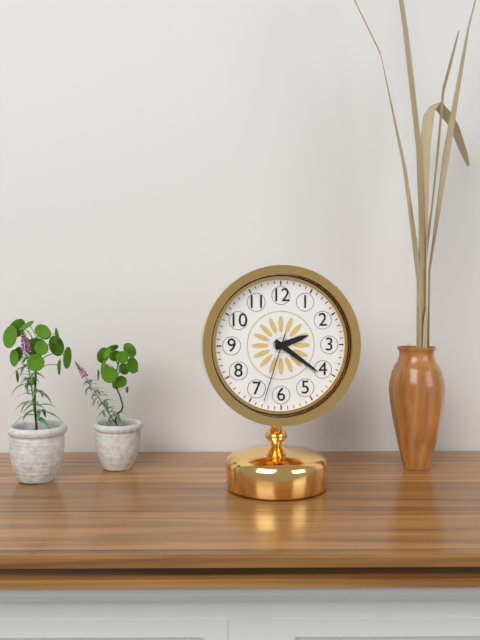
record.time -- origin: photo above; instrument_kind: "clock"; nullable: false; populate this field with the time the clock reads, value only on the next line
2:21:33
